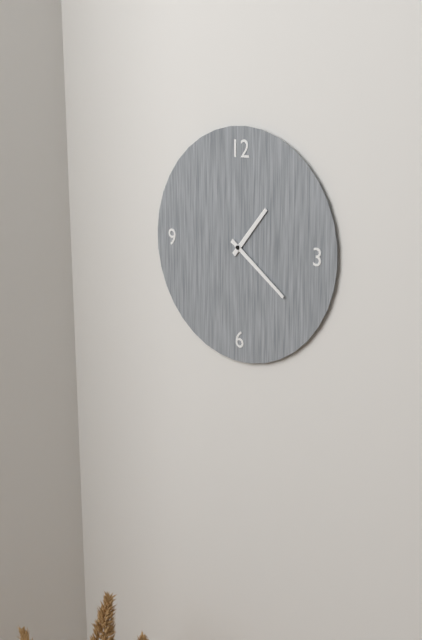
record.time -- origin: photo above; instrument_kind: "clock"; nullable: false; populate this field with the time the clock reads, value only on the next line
1:21
